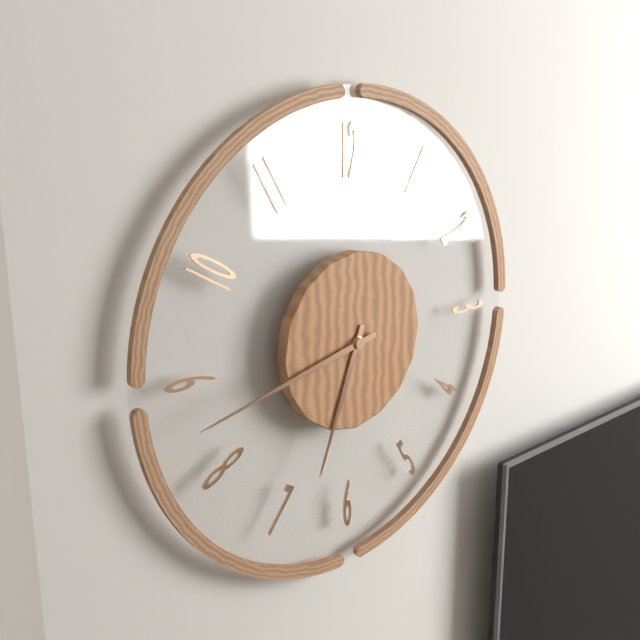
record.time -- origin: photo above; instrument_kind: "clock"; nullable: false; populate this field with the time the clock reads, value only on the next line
6:43
